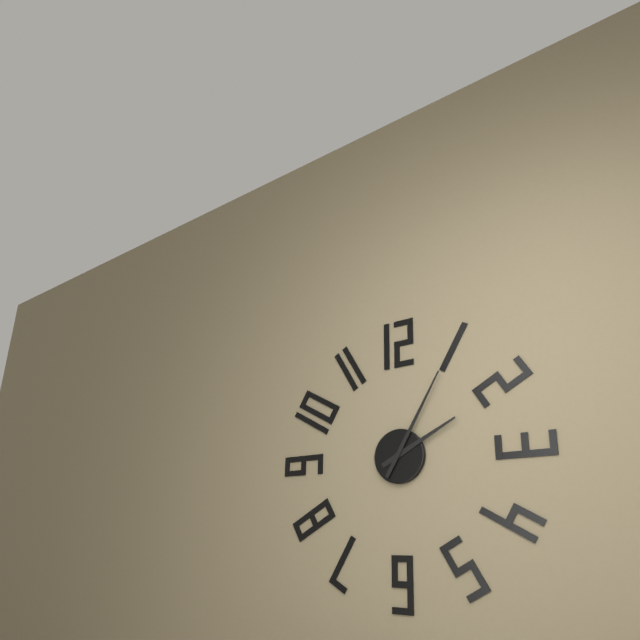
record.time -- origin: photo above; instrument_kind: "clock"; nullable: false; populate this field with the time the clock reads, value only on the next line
2:05
